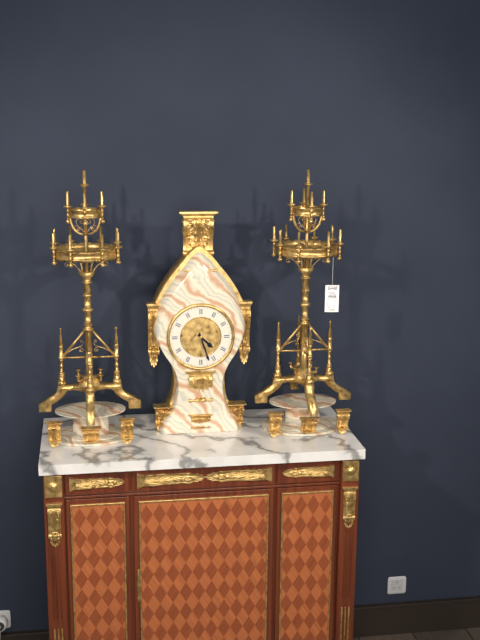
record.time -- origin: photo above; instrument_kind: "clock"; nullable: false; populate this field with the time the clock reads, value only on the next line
4:27
